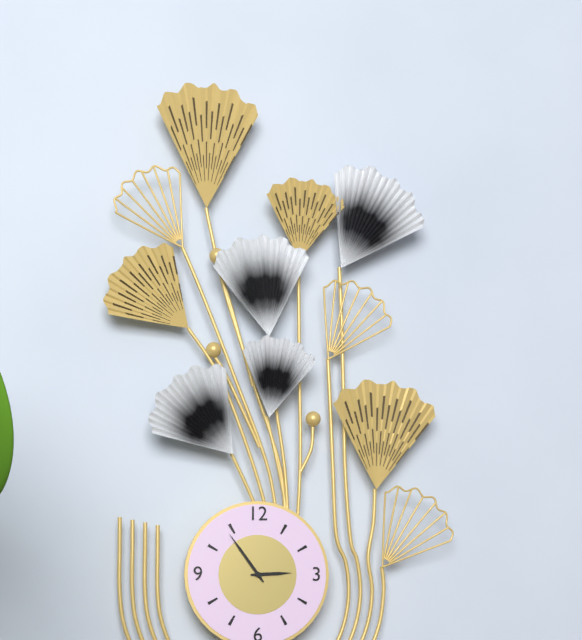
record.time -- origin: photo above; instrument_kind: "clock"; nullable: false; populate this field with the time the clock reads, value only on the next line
2:54
